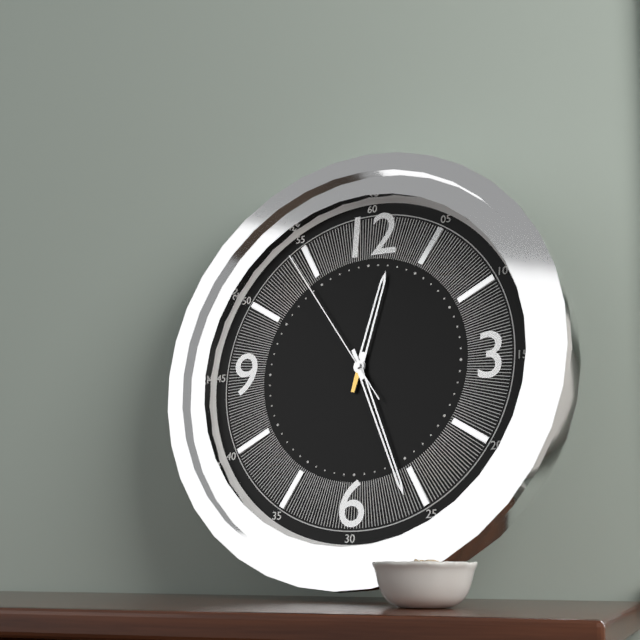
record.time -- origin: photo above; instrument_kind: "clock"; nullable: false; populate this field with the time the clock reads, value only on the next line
12:26:54
